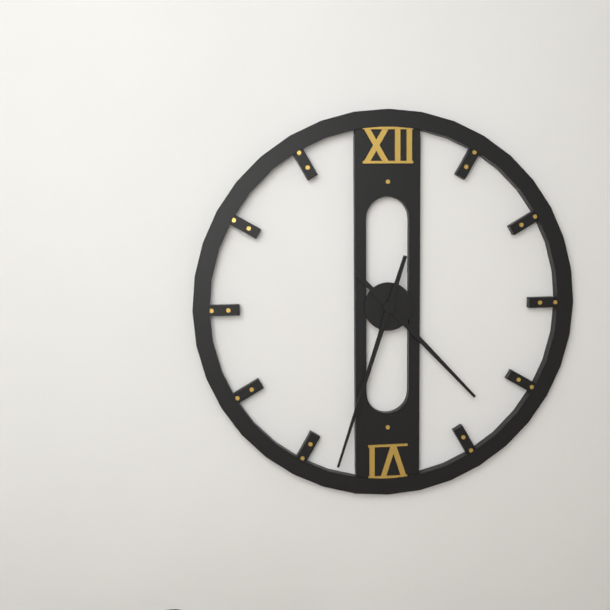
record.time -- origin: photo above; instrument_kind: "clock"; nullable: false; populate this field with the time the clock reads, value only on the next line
4:33
